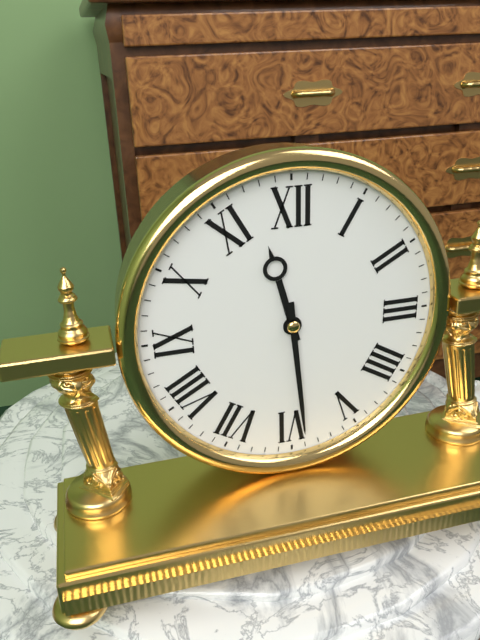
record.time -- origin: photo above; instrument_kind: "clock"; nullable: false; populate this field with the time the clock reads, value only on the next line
11:29
